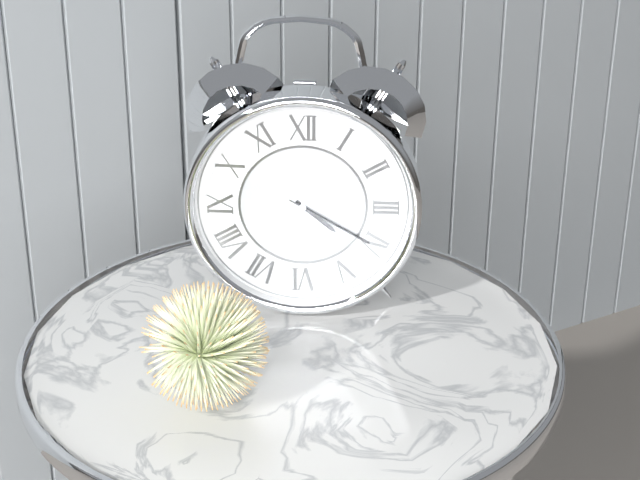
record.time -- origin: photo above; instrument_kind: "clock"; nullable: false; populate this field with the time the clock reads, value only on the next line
4:20:20
